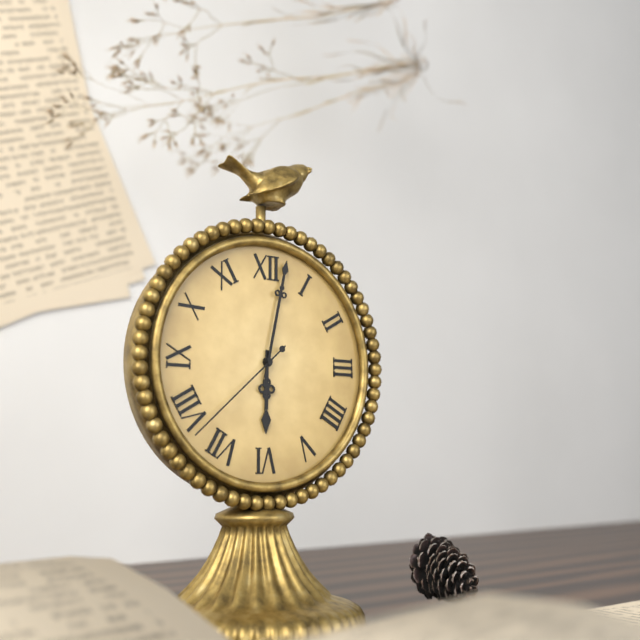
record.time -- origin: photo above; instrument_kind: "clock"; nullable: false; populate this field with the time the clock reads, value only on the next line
6:02:38
